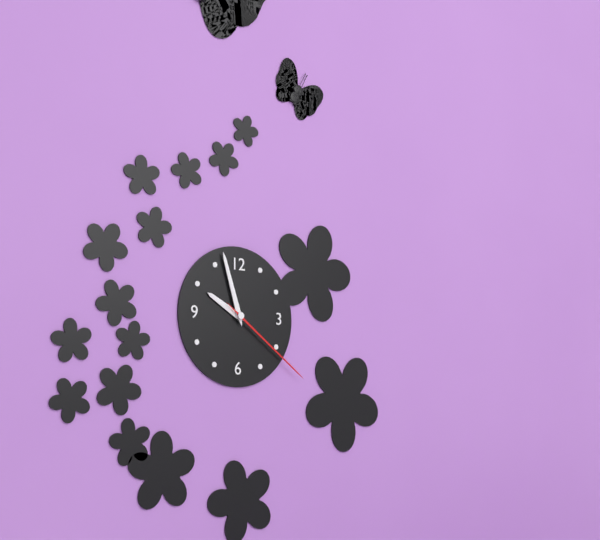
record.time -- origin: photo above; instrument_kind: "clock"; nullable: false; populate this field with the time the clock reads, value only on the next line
9:57:21
